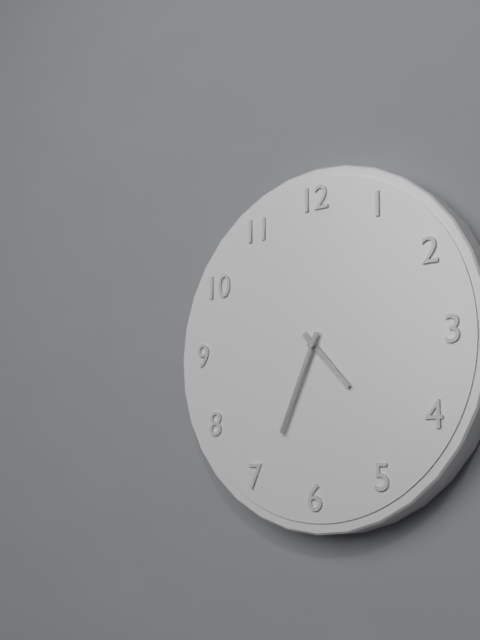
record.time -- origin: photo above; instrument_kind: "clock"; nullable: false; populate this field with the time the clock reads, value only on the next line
4:34
